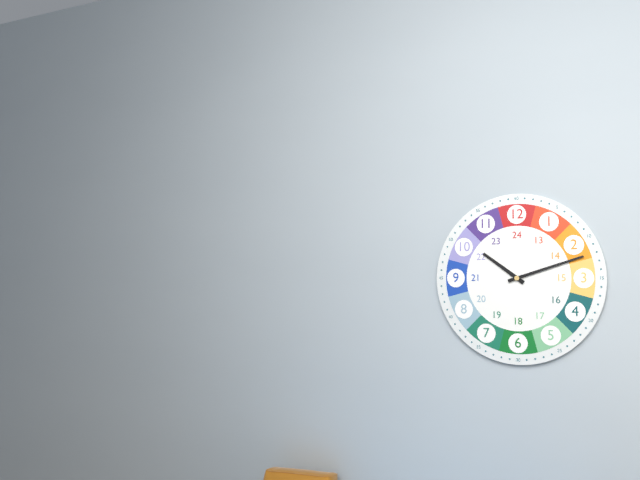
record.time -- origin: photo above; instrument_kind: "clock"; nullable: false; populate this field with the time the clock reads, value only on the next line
10:12
